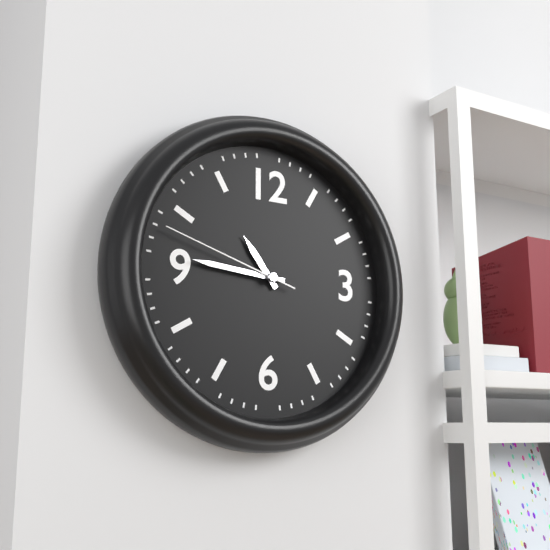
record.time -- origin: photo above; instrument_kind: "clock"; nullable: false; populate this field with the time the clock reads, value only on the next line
10:46:48
